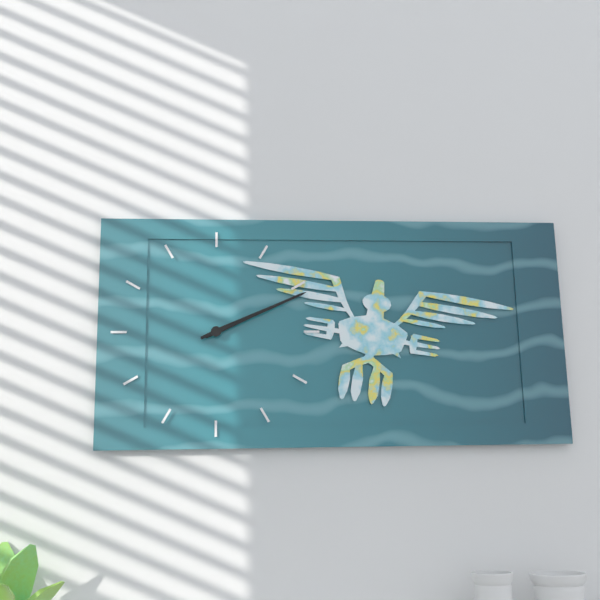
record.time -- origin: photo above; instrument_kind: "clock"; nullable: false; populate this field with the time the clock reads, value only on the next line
2:11
